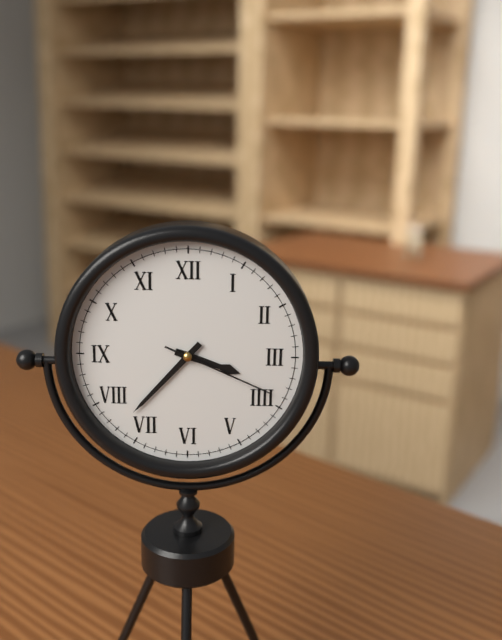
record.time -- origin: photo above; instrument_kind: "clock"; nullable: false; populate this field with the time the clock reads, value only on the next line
3:37:19
